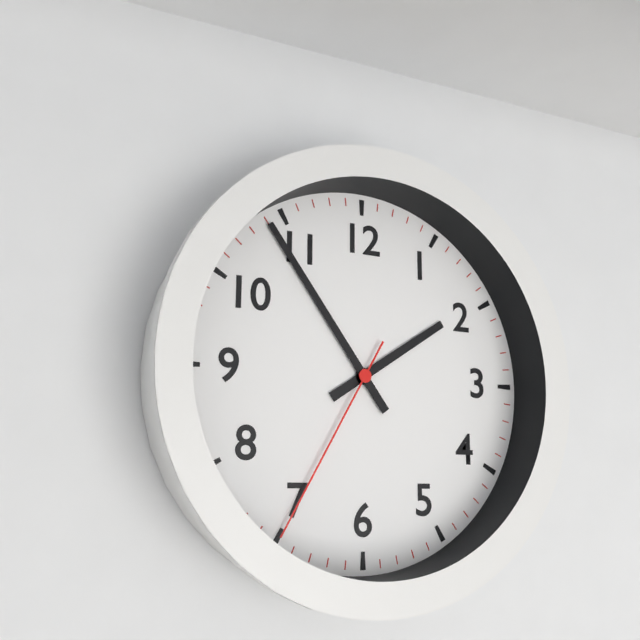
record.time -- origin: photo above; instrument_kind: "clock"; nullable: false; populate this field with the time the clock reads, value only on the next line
1:54:35
